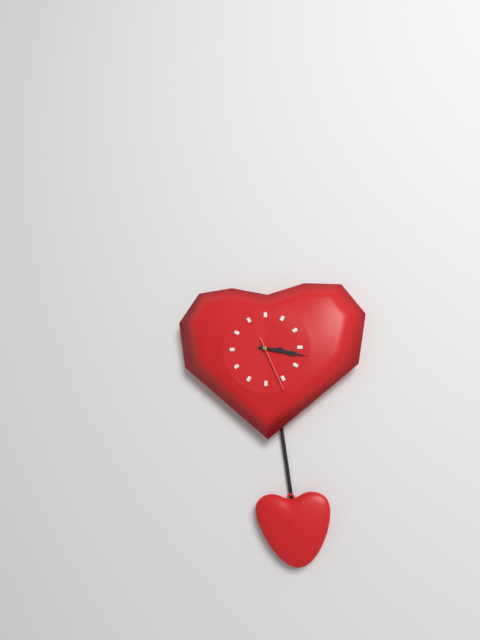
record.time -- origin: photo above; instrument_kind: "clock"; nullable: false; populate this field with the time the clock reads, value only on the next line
3:17:26
